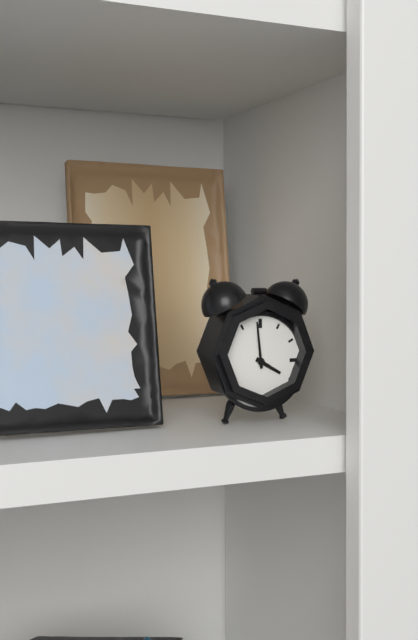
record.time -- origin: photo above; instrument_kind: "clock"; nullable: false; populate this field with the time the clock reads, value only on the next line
3:59
